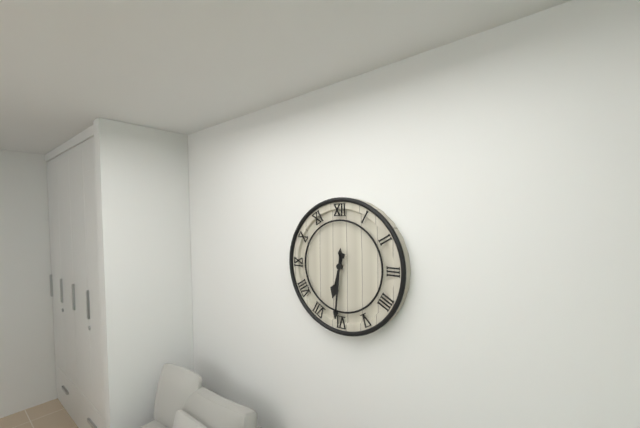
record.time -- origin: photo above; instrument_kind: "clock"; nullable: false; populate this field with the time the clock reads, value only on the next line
6:31
